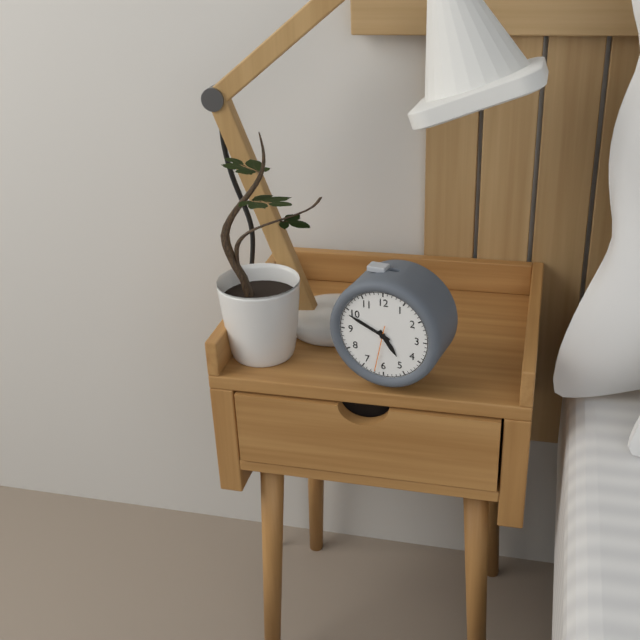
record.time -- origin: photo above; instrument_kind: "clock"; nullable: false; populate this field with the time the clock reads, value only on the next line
4:49:32
